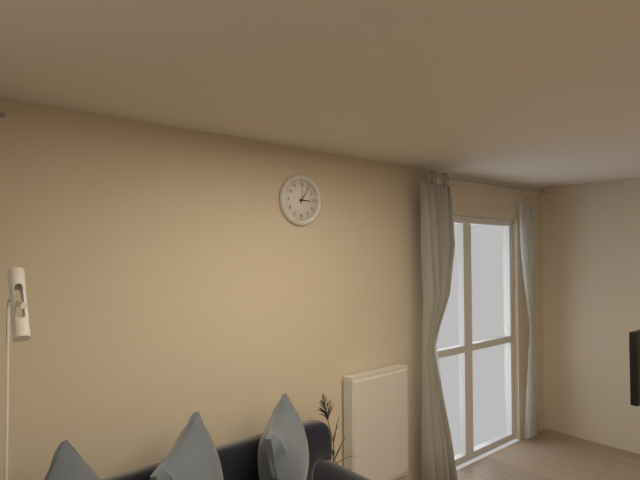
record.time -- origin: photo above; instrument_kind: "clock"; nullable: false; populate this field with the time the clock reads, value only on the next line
3:06
